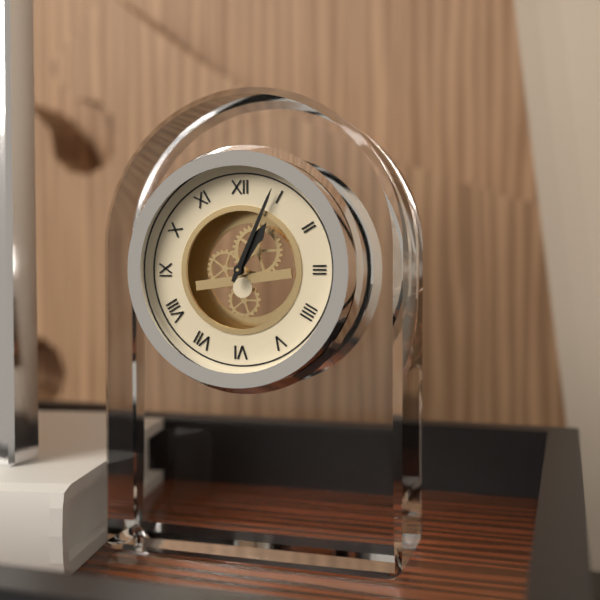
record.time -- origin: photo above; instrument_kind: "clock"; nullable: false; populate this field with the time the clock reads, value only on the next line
1:04
